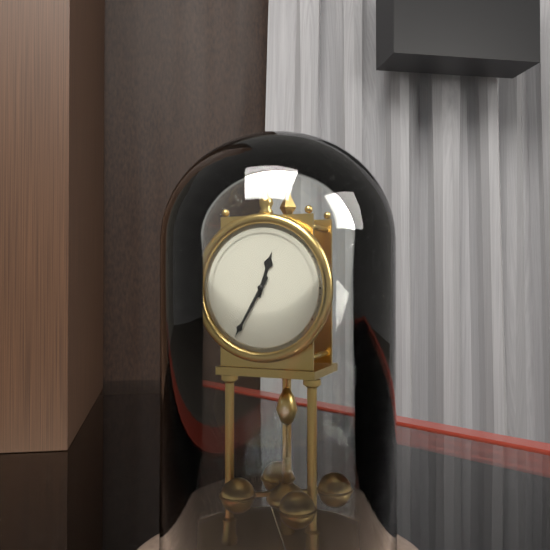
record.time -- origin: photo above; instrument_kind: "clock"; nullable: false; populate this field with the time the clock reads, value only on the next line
12:35
